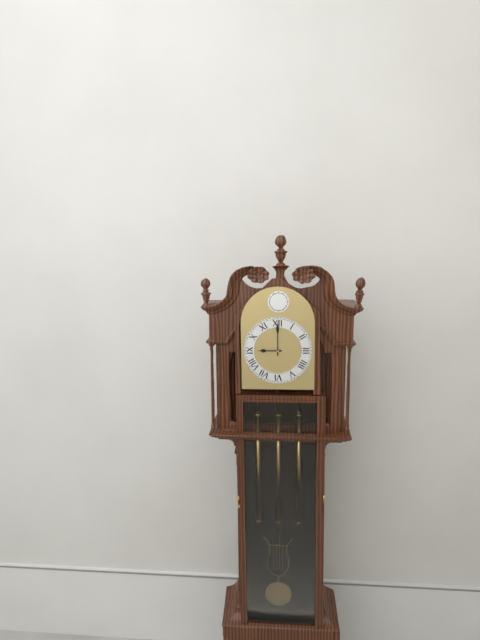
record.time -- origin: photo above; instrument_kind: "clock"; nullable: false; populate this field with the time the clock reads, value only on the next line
9:00
